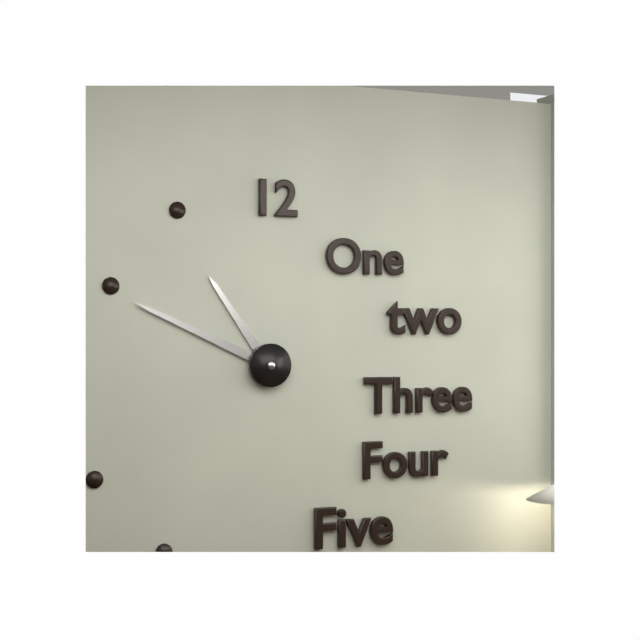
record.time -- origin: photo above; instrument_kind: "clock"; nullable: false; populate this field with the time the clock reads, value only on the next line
10:49
